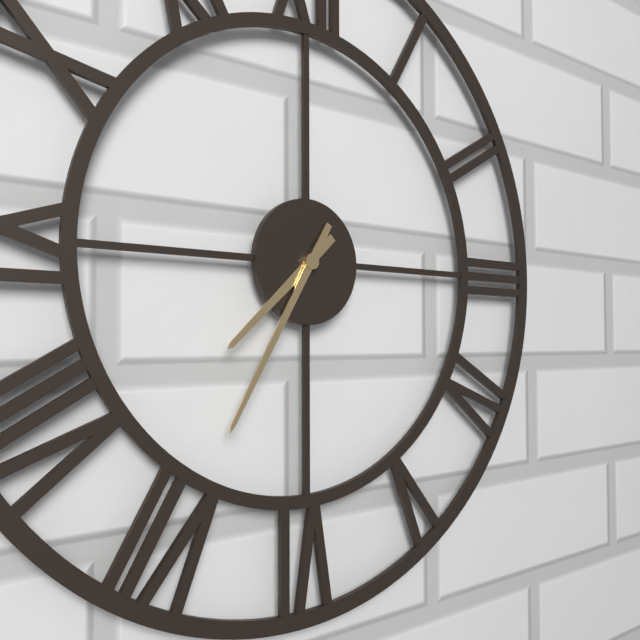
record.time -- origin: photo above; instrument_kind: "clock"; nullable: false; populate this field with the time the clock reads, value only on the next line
7:35
